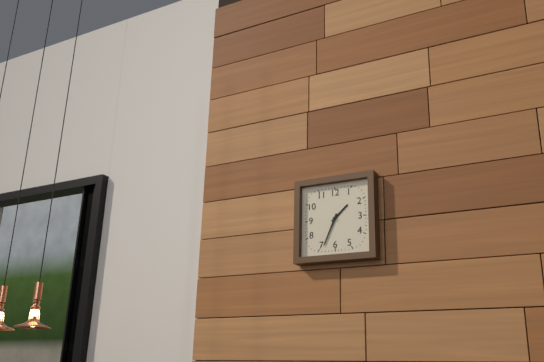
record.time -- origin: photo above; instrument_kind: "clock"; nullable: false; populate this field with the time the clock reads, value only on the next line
1:34
